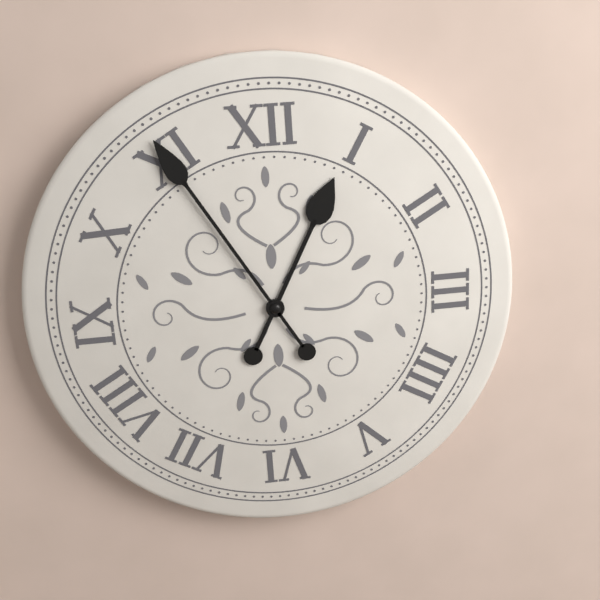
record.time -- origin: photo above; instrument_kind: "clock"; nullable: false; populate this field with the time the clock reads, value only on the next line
12:55
